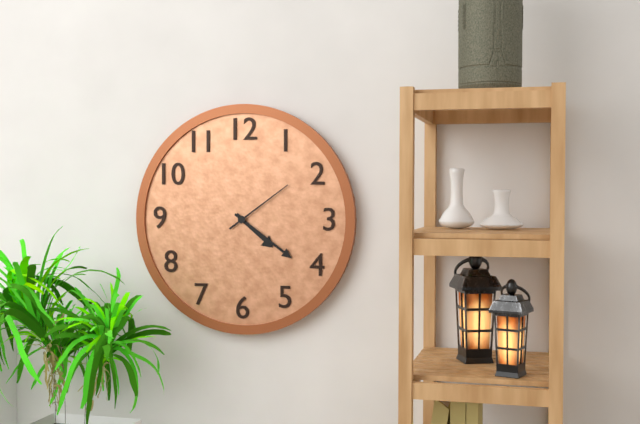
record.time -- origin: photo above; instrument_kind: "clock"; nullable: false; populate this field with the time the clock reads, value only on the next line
4:21:09
